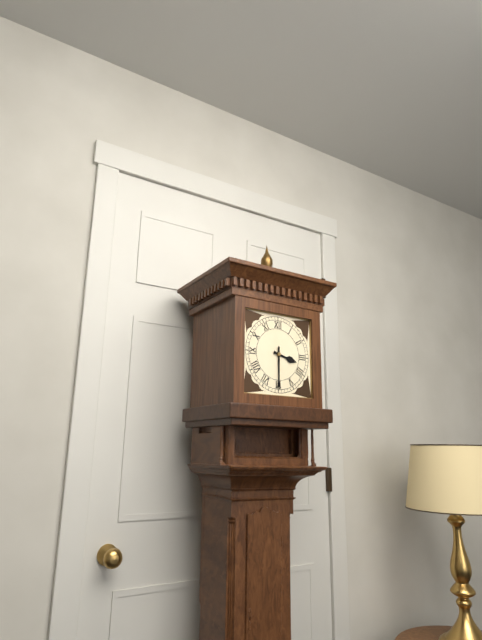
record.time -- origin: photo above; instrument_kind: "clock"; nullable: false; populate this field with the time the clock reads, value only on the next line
3:30
